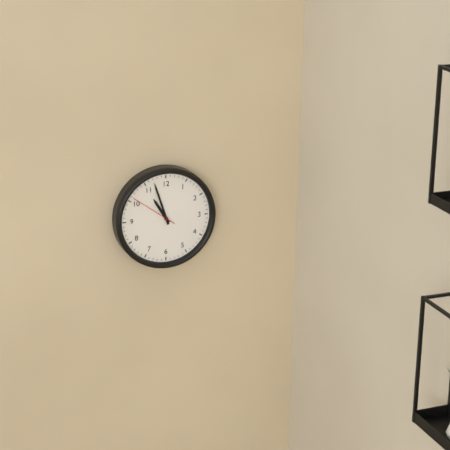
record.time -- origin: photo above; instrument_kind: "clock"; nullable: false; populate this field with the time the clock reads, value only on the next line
10:57
